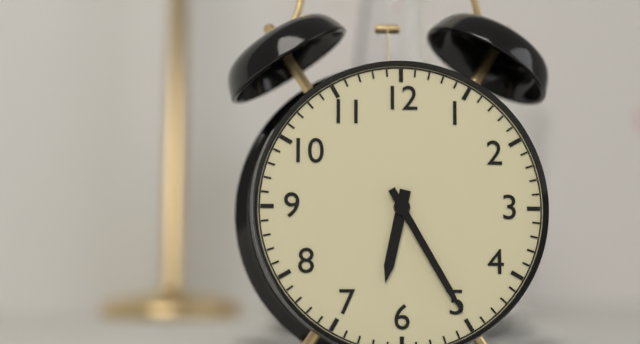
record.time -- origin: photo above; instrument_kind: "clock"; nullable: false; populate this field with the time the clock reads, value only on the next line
6:25
